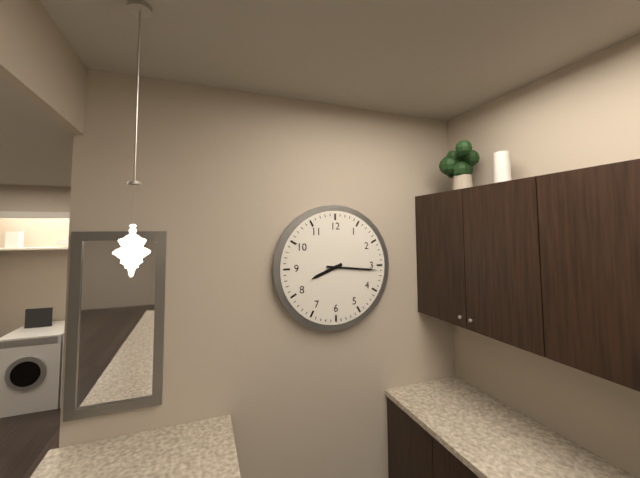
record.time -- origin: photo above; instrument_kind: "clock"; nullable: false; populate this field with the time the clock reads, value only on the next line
8:16
